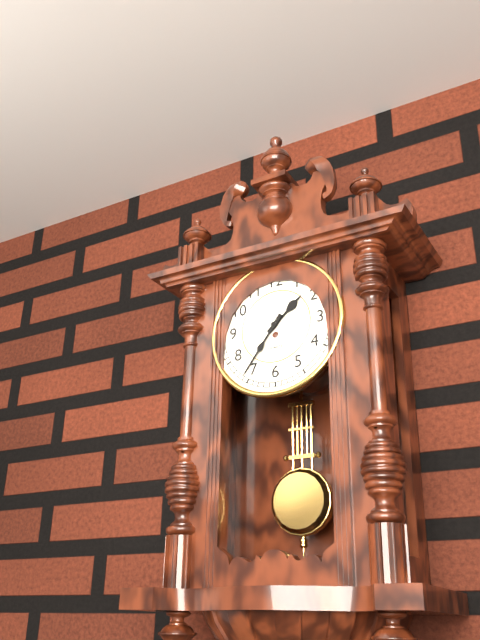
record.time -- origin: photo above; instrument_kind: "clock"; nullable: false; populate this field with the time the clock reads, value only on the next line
1:36
